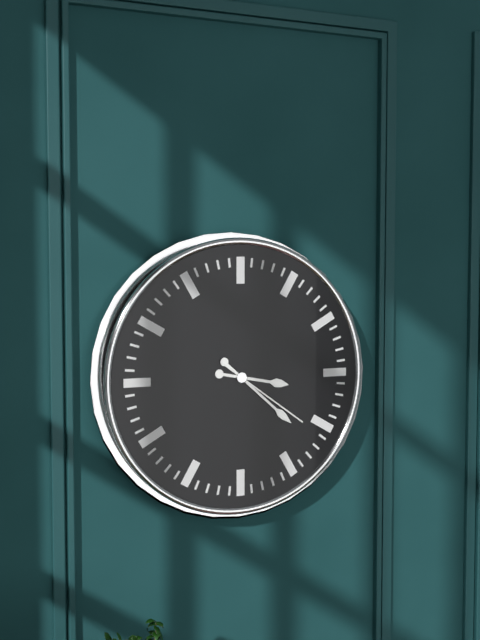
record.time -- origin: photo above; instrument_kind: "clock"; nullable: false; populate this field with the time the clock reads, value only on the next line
3:22:21
